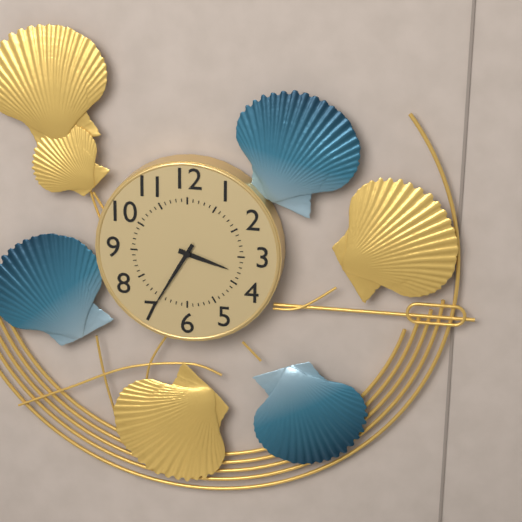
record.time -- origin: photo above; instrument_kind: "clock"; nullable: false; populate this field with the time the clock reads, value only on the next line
3:35
